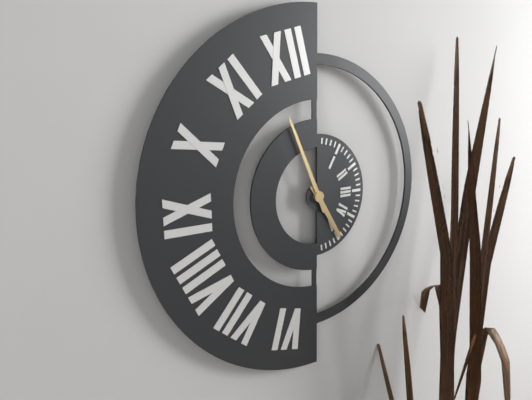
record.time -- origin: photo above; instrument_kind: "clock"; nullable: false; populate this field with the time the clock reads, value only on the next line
4:56
